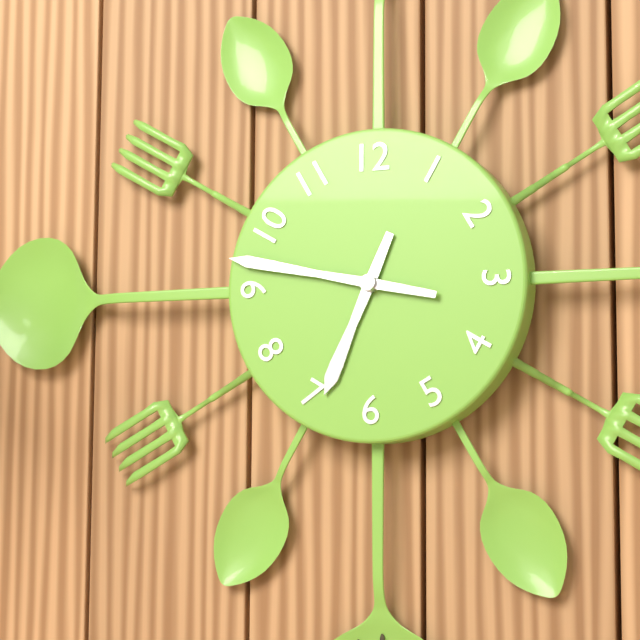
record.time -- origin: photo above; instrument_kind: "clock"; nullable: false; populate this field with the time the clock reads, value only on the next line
6:47
